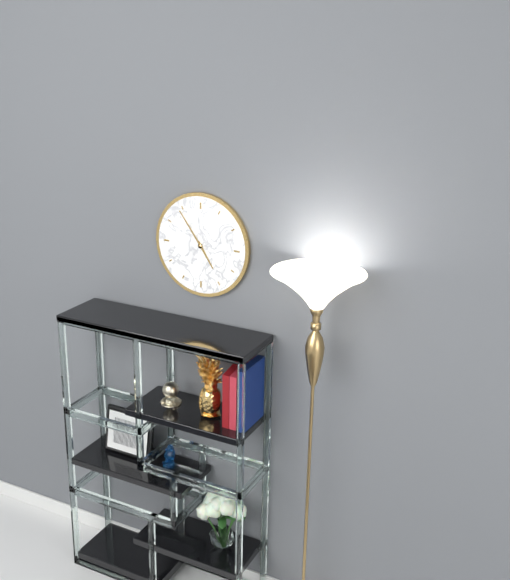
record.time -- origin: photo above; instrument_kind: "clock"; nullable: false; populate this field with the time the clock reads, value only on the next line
4:54
